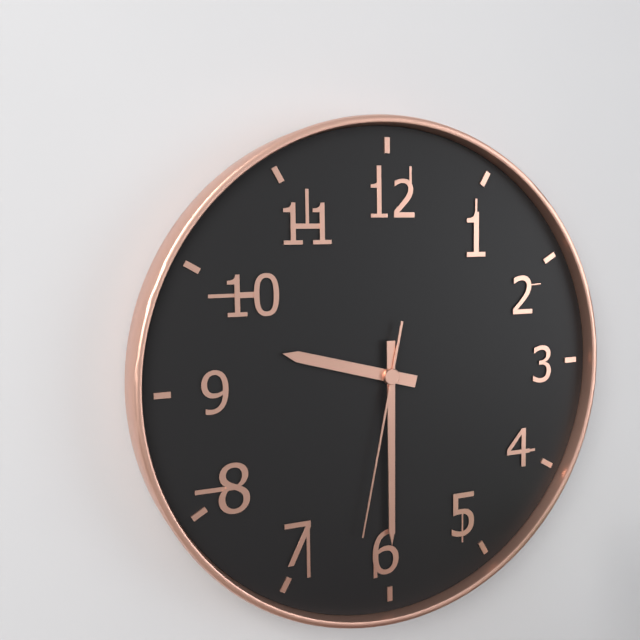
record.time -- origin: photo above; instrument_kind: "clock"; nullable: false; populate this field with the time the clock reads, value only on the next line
9:30:32
